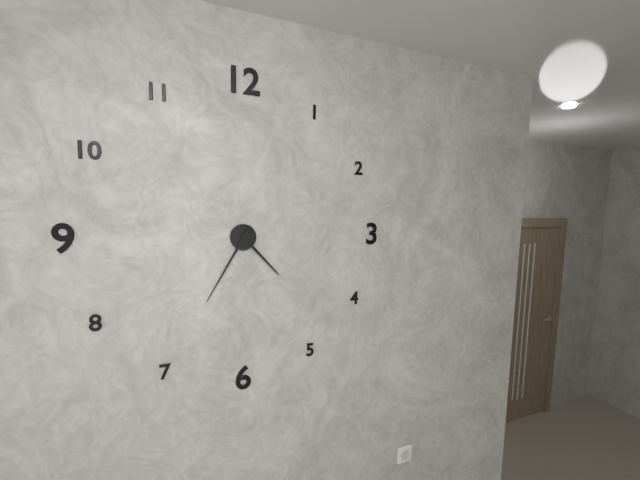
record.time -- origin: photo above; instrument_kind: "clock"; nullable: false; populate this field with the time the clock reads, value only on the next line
4:35
